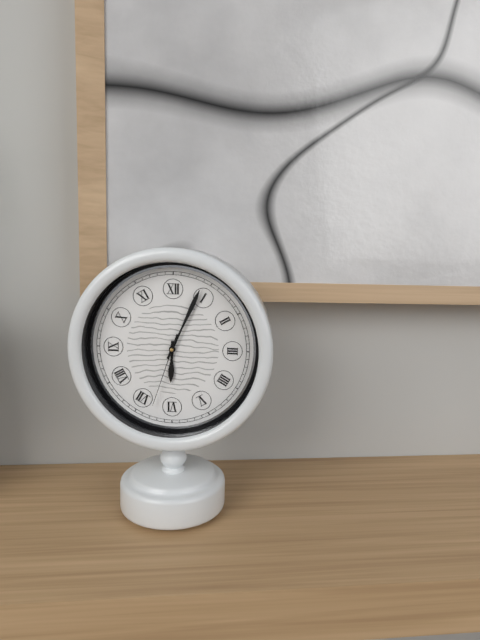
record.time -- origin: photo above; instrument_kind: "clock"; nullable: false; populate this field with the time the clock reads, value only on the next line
6:04:33
